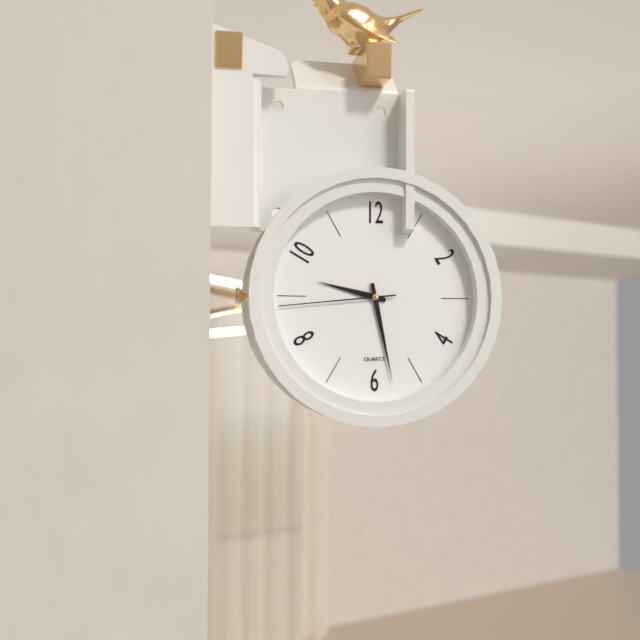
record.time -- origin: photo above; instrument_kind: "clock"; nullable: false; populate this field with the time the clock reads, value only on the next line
9:28:44
